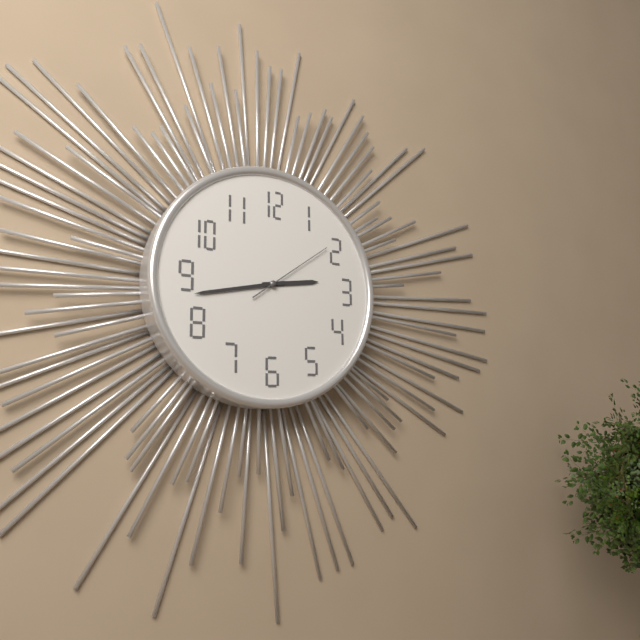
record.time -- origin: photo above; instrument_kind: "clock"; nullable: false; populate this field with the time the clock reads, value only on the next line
2:43:09
